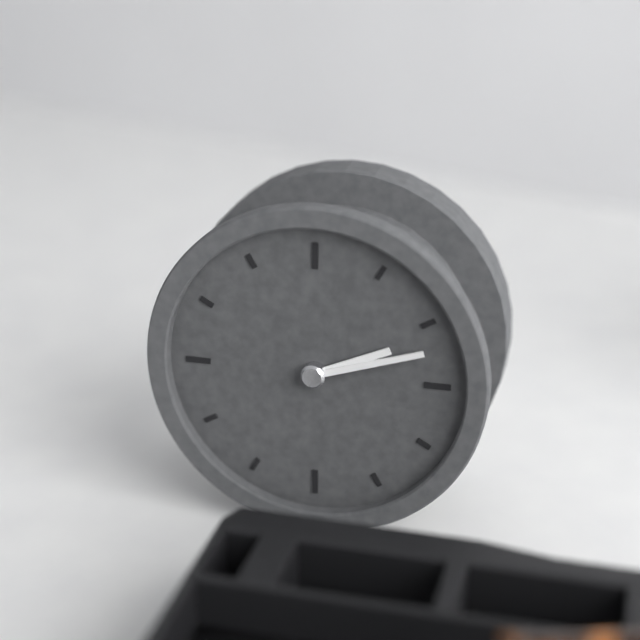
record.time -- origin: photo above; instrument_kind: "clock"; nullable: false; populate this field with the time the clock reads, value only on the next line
2:12
